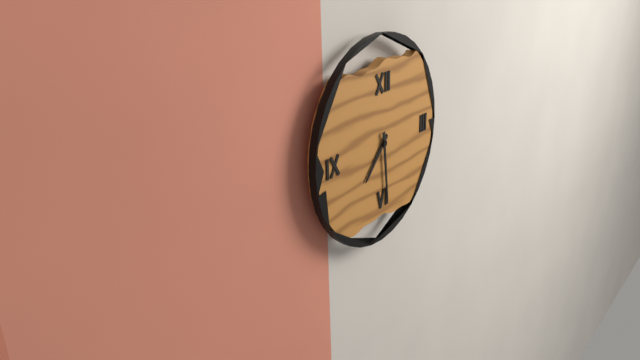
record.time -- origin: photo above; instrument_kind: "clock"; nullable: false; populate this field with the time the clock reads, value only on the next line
7:29
